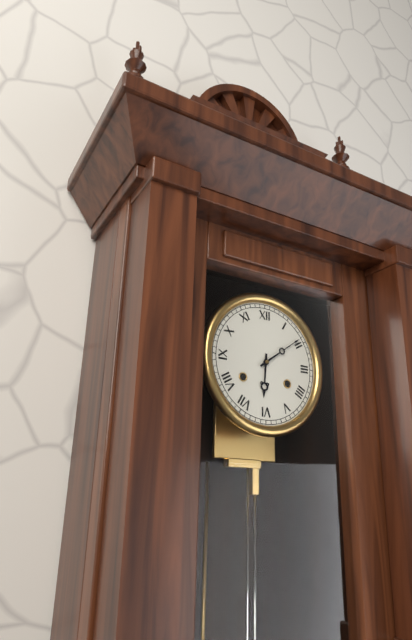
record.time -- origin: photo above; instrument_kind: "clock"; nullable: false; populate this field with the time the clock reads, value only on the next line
6:09
